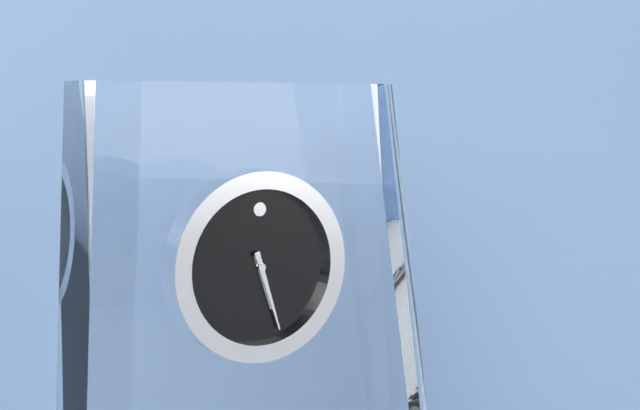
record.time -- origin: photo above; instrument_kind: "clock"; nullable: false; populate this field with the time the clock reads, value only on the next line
5:27
